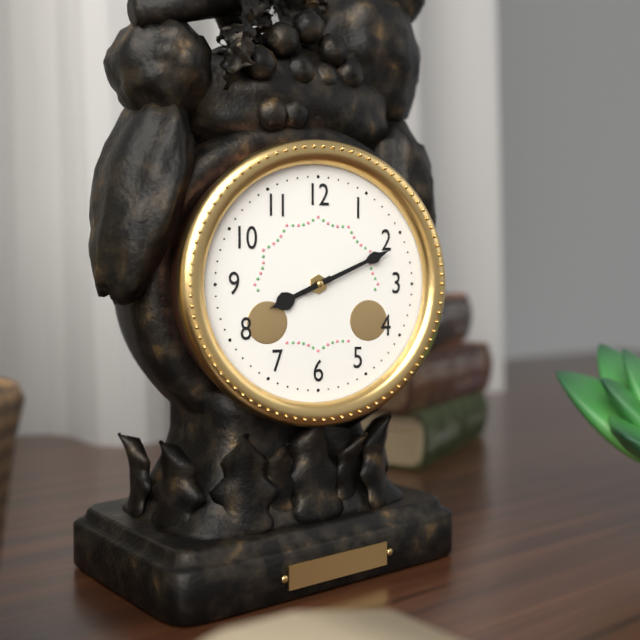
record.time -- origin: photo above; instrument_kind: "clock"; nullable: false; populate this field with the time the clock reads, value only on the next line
8:11
